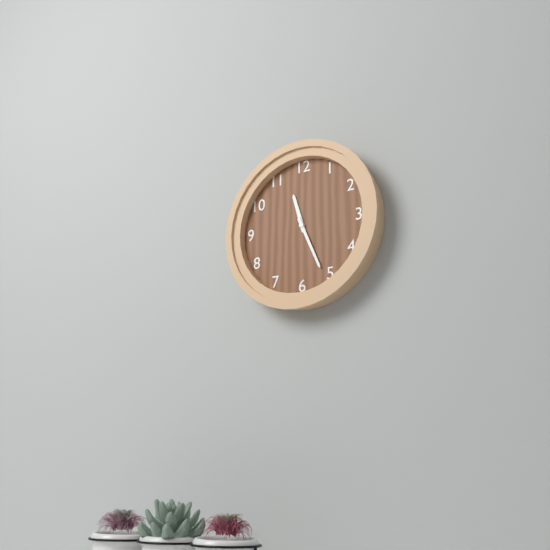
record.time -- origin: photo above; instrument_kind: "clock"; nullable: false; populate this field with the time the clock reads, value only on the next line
11:26
